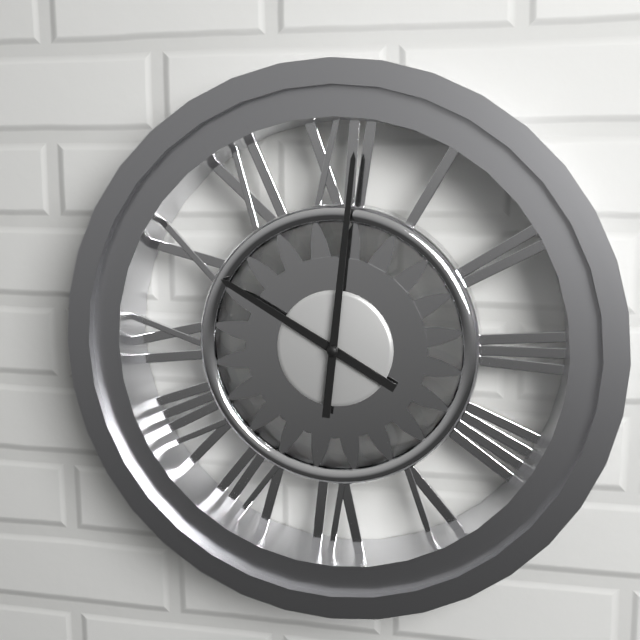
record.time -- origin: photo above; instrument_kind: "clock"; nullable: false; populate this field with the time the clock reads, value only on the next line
10:01
